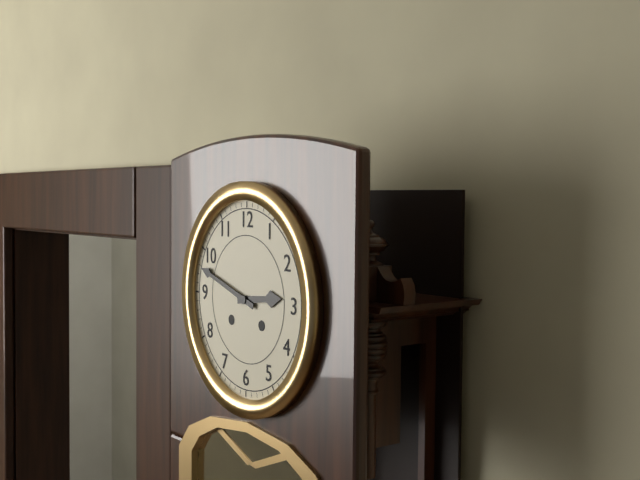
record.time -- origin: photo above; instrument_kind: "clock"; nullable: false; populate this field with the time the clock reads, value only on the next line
2:48
